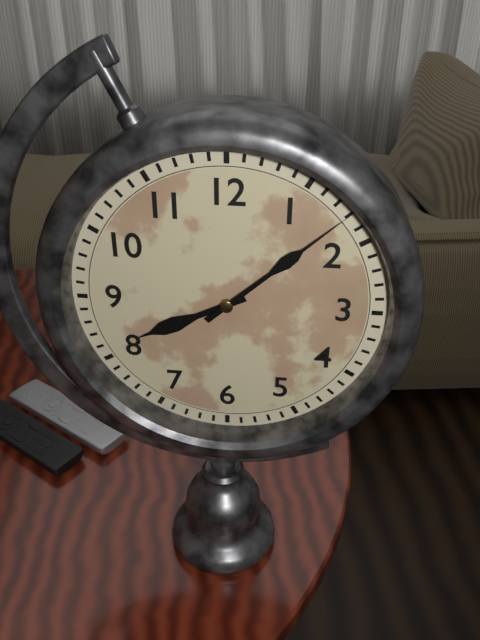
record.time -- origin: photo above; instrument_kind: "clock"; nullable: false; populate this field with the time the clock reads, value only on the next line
8:08
